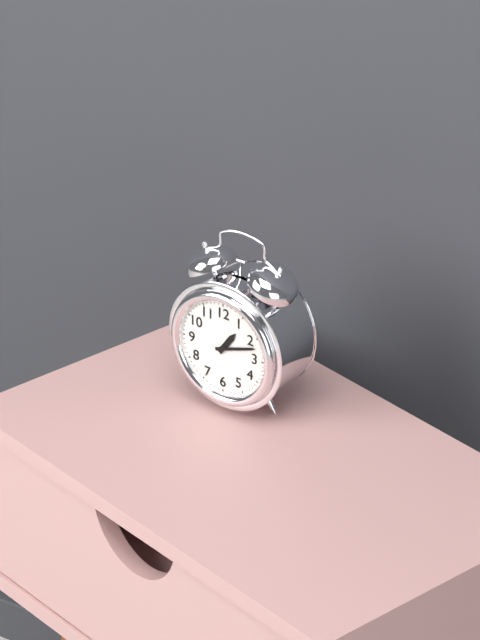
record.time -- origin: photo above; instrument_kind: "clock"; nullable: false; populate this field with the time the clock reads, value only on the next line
1:12
